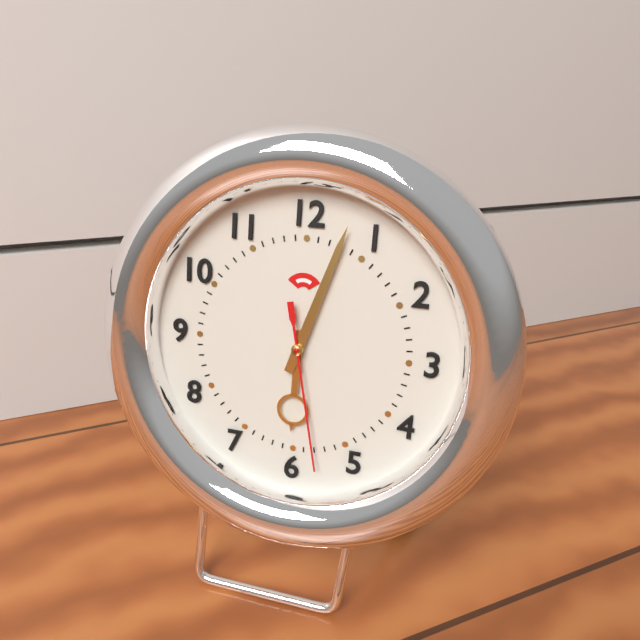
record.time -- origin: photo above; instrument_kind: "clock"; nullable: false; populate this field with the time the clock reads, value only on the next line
6:03:28
